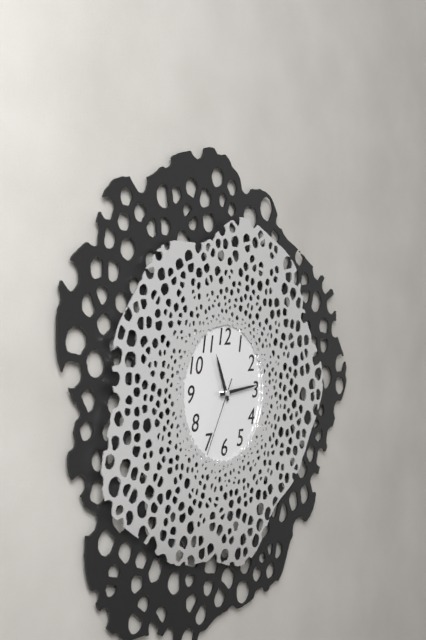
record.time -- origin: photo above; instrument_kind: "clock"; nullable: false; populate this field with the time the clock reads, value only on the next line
11:14:35
